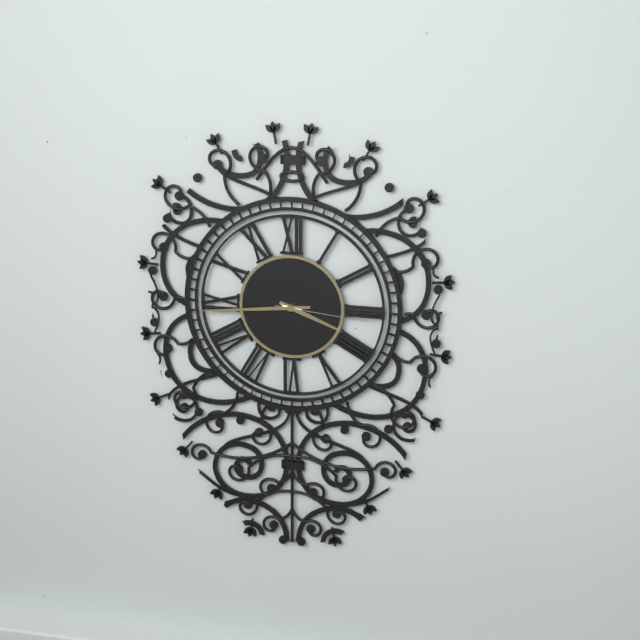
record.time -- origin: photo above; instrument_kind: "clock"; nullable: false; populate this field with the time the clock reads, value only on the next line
3:44:16
